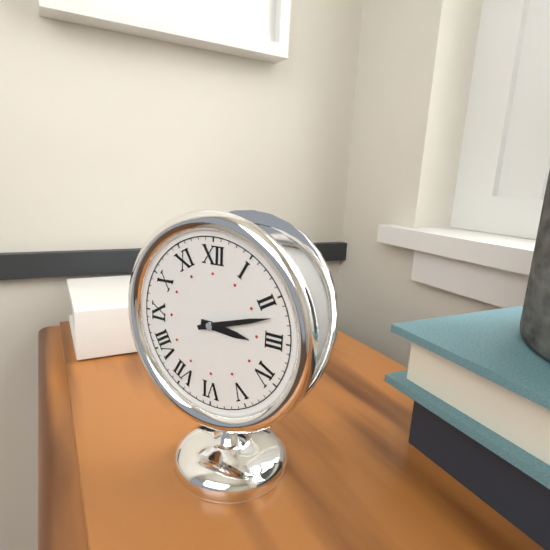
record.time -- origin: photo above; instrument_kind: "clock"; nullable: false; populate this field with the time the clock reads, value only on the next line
3:12
